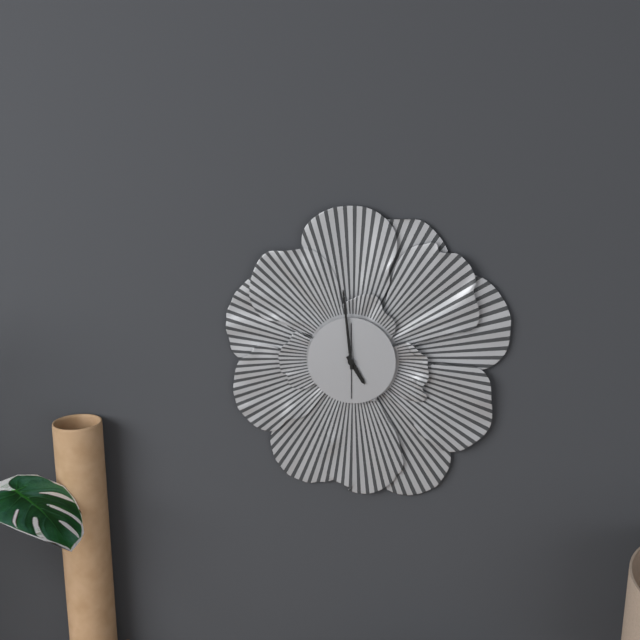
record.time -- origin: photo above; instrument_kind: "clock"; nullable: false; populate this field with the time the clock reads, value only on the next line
4:59
